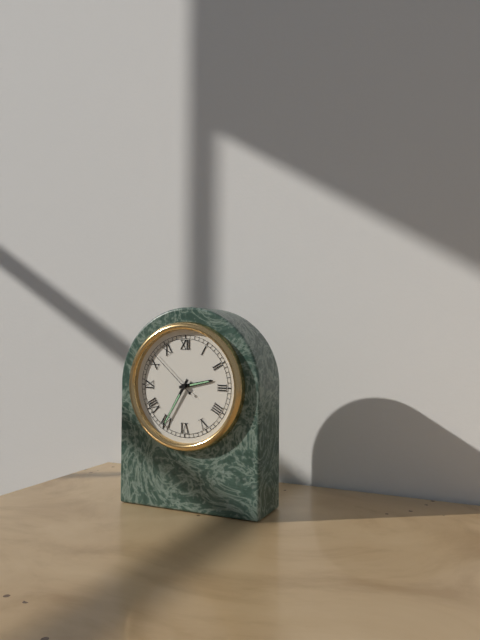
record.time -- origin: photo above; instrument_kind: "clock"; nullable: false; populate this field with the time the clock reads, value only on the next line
2:35:52
